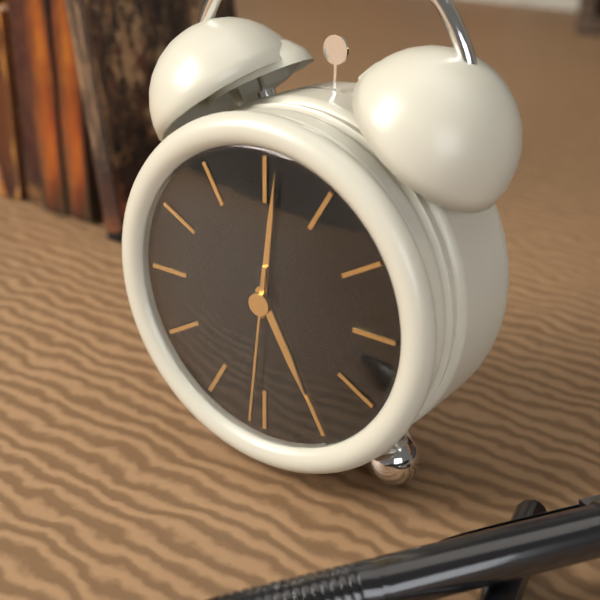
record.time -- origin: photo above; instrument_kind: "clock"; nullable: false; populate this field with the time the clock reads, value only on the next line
5:01:31
